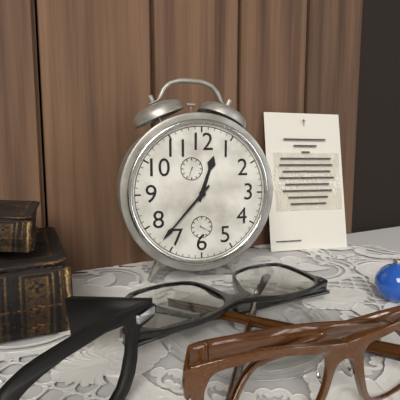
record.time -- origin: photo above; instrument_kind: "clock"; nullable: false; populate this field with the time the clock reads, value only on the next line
12:37
